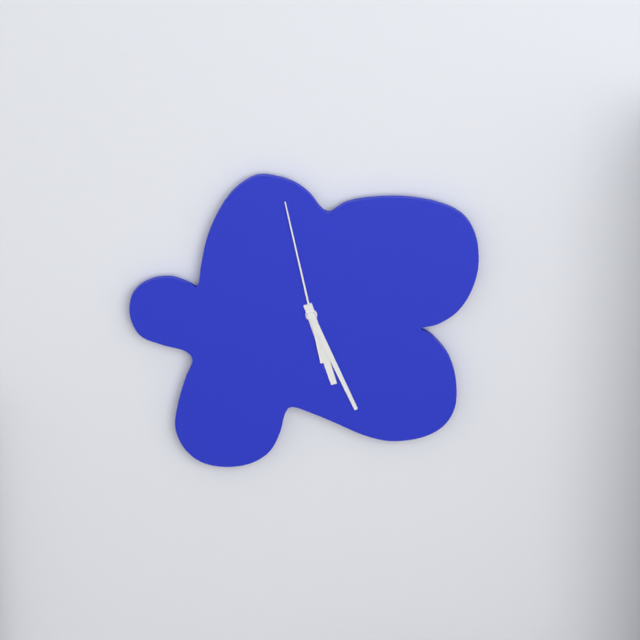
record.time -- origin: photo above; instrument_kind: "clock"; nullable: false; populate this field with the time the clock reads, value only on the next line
5:26:58
